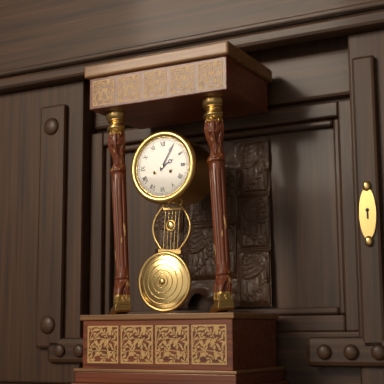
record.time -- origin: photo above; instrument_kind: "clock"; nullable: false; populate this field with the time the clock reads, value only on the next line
2:05
